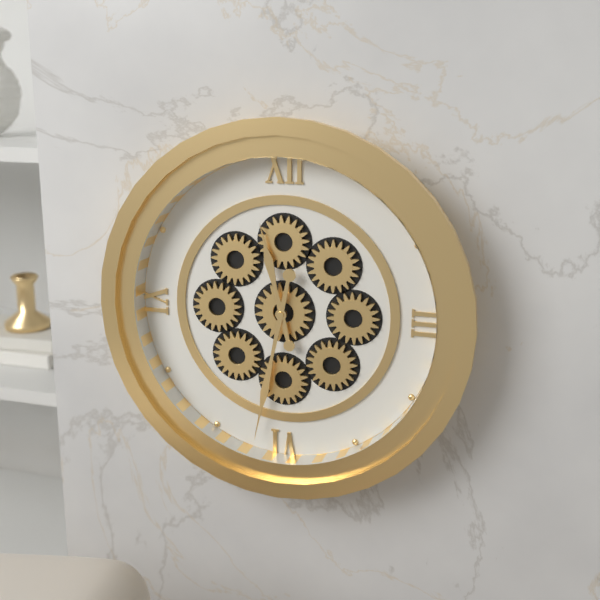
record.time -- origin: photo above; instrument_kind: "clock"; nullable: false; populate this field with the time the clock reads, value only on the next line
11:32
